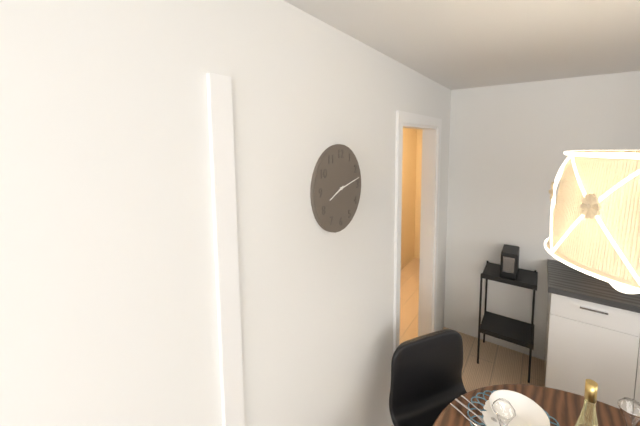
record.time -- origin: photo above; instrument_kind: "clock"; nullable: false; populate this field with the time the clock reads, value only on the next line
8:13
